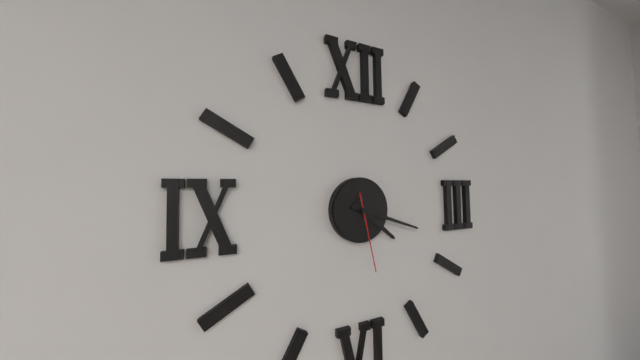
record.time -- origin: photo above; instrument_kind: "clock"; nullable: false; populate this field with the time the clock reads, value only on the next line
4:18:28
